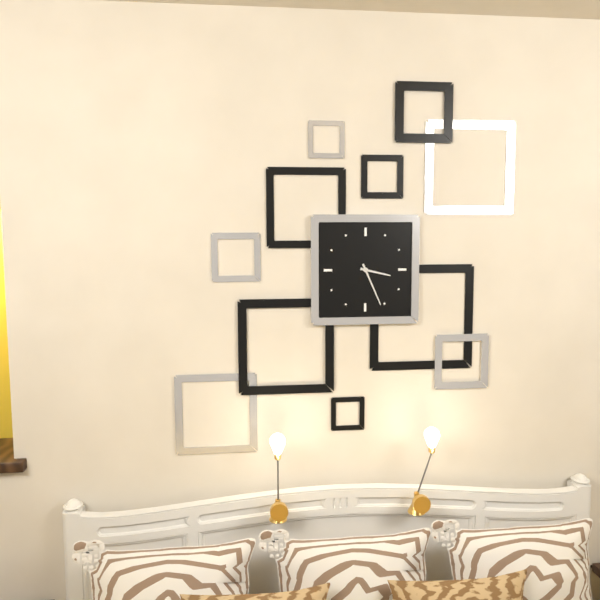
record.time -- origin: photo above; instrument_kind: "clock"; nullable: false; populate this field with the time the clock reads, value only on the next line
3:26
